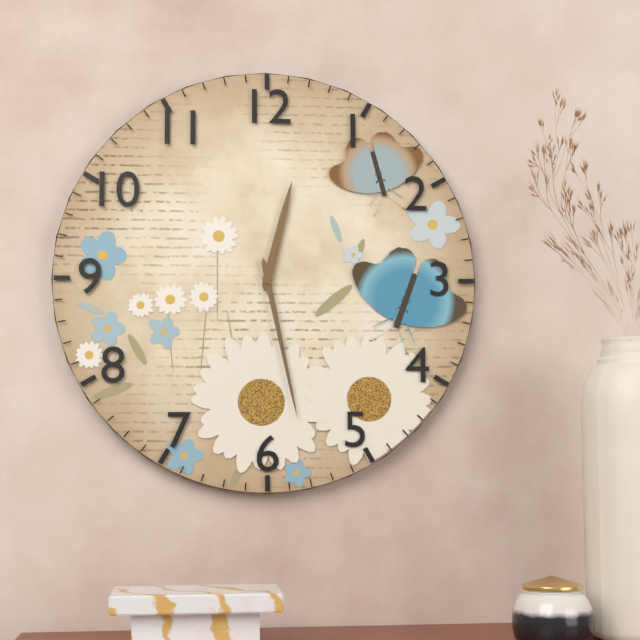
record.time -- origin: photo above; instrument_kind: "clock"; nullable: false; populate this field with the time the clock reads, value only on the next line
12:28
